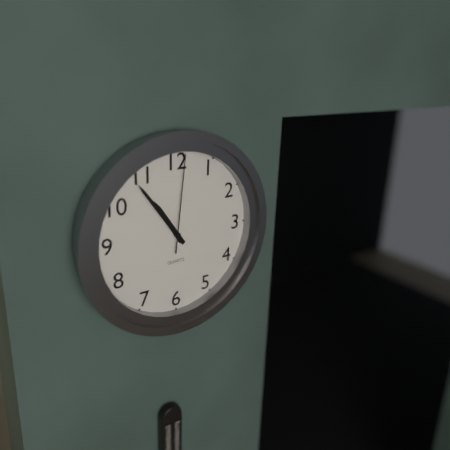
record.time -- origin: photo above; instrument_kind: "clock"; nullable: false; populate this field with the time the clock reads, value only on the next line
10:54:01
